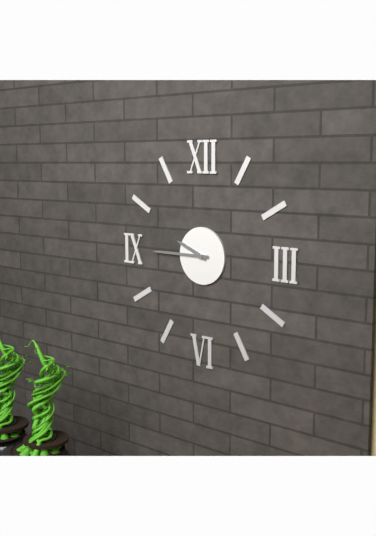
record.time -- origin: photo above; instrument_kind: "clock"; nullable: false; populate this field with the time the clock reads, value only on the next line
9:45
